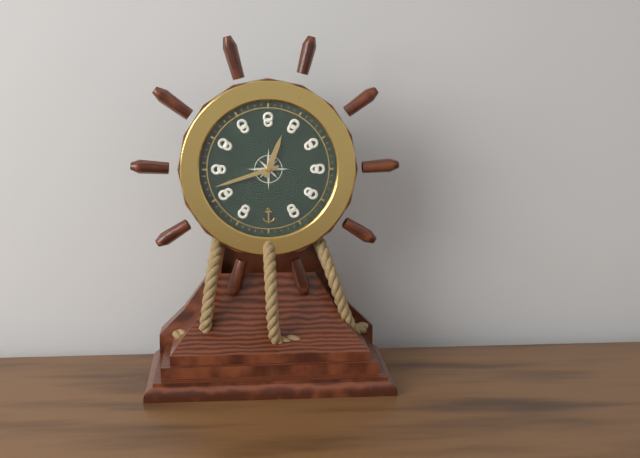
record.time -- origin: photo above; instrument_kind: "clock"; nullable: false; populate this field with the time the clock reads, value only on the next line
12:42
